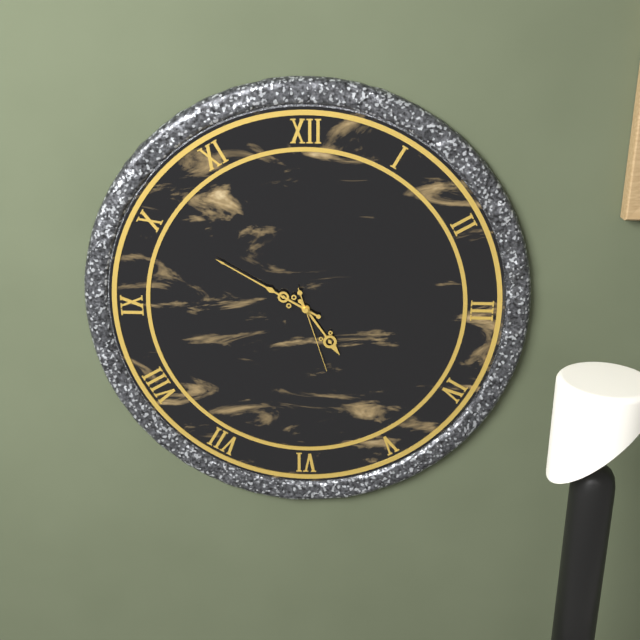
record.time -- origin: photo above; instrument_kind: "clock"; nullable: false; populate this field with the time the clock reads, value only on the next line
4:50:27
